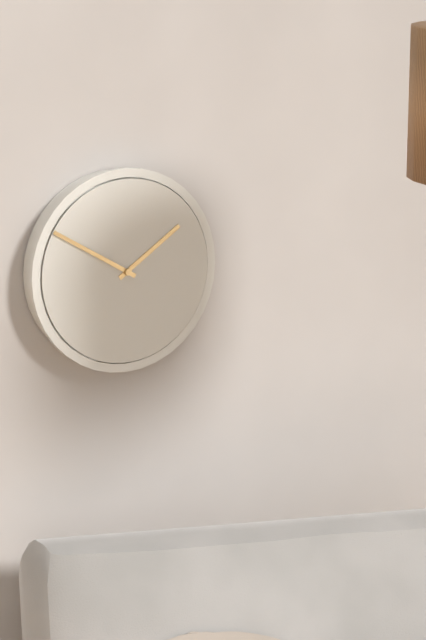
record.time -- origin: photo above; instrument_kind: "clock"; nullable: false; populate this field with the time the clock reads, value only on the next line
1:50
